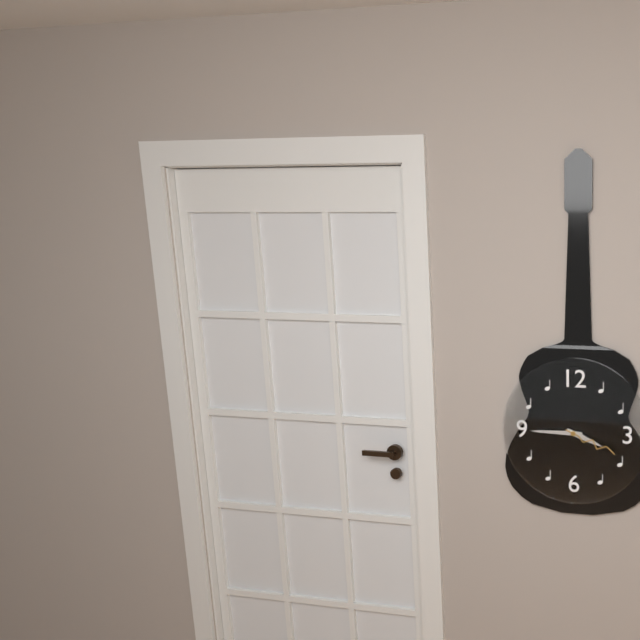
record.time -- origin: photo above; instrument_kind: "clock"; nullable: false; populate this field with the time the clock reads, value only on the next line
3:45:19
